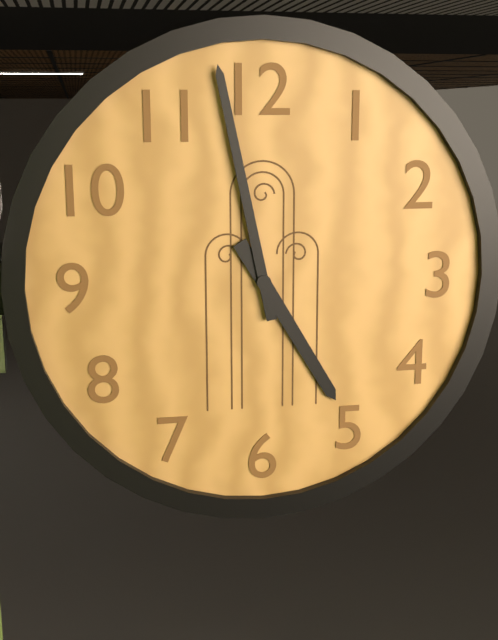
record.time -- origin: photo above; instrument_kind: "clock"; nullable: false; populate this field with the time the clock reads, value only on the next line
4:58
